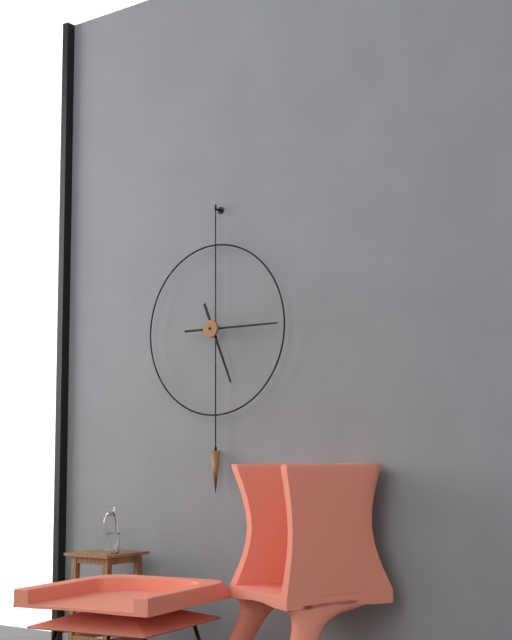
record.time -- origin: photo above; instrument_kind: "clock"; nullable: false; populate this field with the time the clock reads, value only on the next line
5:15
